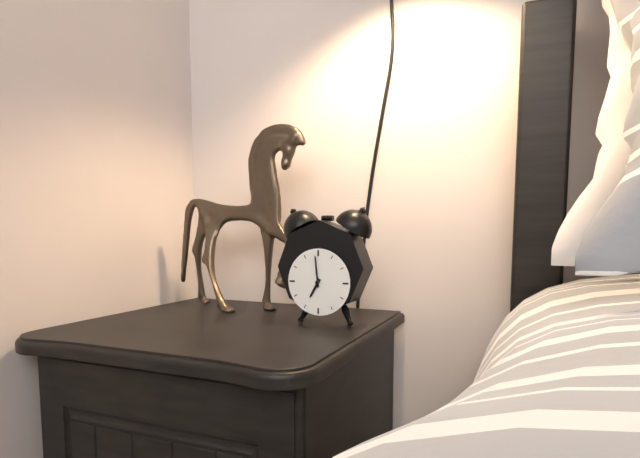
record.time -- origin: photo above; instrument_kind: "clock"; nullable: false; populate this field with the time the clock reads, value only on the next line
6:59
